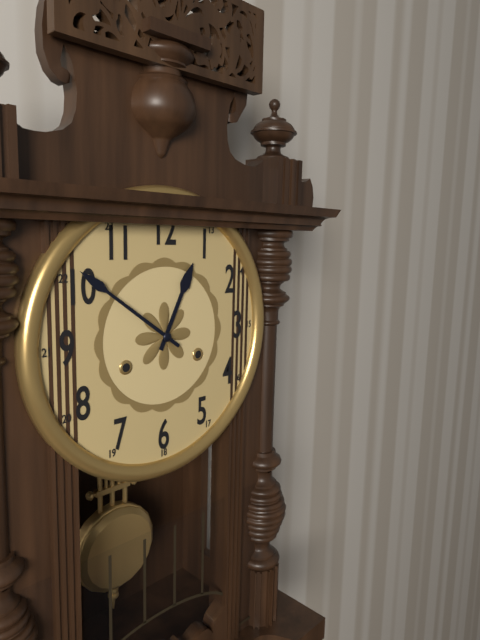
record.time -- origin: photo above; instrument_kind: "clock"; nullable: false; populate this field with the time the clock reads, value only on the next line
12:51
